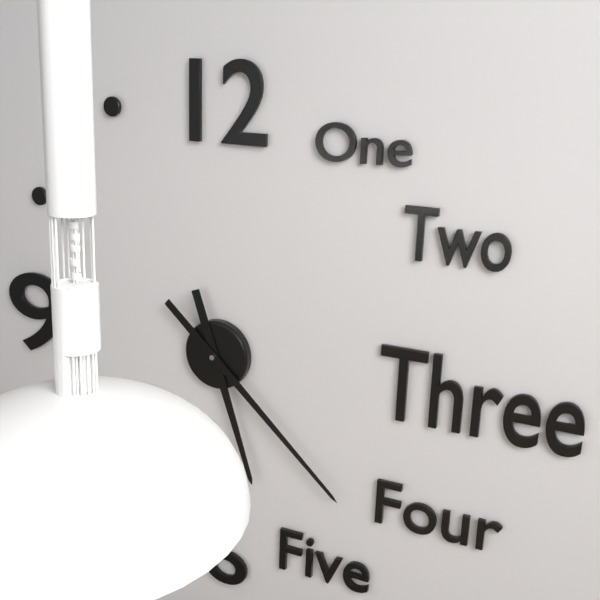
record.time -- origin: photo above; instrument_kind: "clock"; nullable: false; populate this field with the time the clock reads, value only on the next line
5:22
